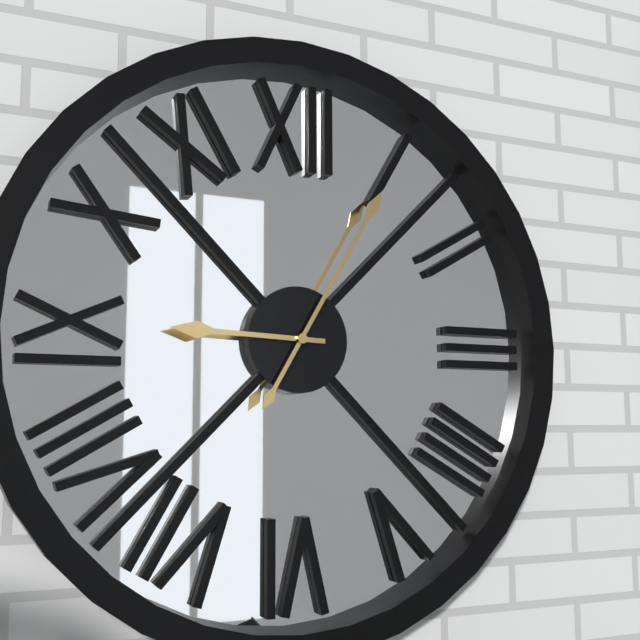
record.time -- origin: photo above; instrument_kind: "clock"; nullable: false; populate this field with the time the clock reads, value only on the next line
9:05
